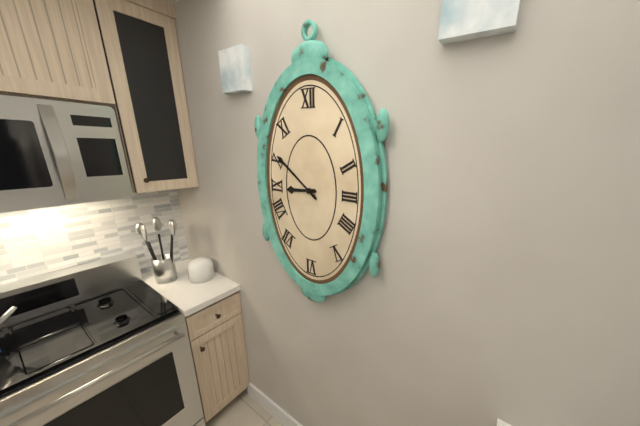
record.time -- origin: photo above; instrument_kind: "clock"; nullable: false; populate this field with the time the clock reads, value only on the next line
8:51
